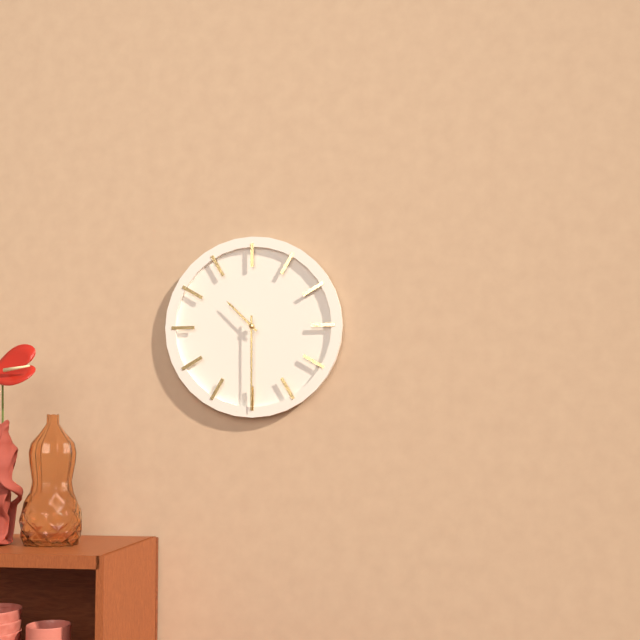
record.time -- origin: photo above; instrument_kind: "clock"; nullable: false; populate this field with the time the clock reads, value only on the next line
10:30
